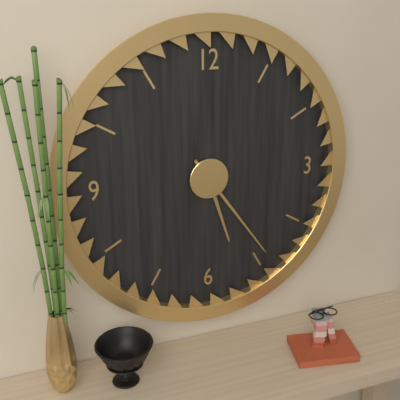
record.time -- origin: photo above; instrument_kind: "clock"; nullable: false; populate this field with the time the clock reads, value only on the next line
5:24
